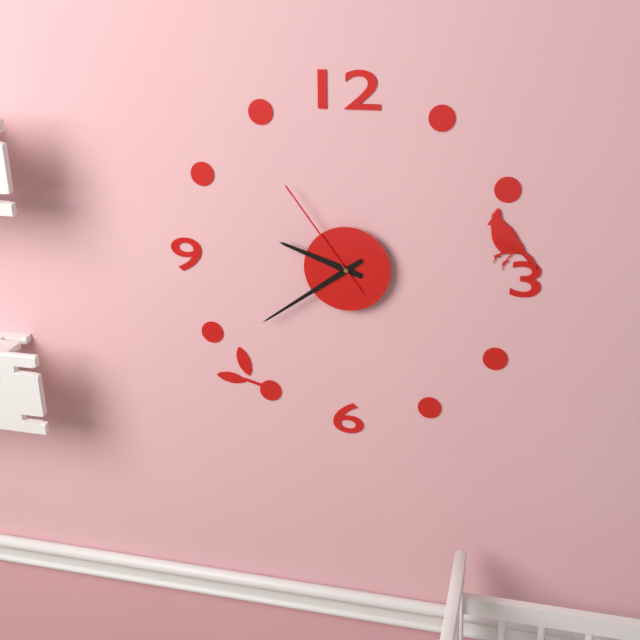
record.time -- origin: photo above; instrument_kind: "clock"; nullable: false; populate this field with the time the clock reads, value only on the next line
9:39:54
